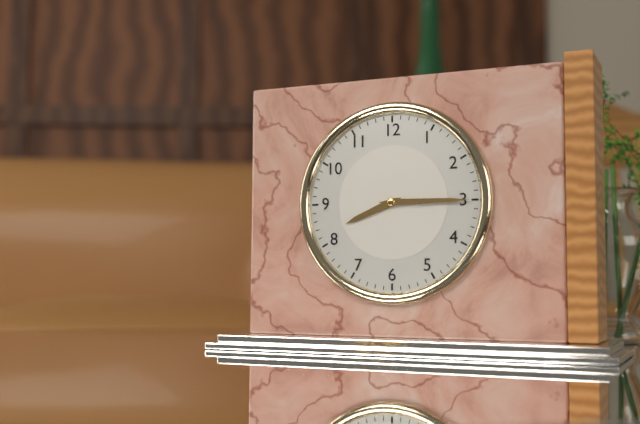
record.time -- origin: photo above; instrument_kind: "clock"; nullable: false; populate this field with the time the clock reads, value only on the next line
8:15
